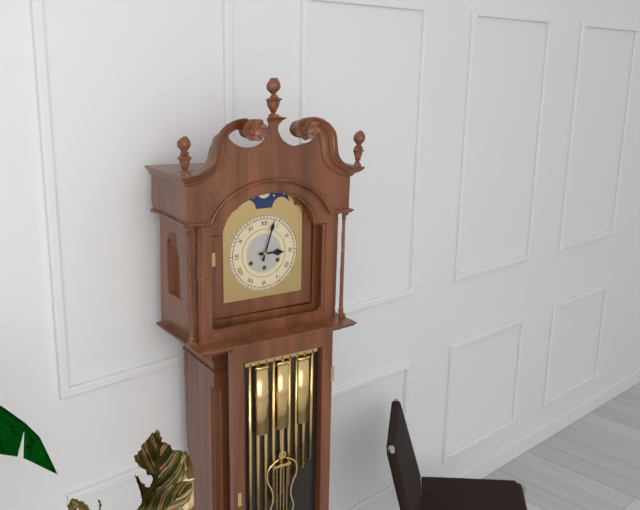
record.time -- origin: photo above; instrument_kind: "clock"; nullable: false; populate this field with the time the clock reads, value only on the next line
3:03
